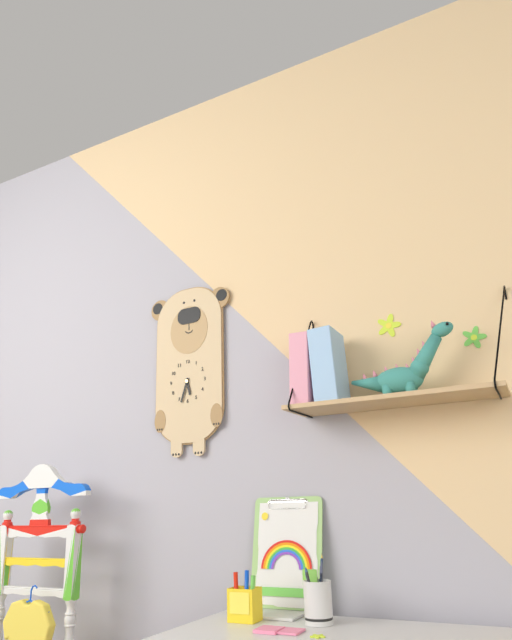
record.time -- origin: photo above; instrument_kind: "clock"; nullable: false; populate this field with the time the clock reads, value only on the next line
5:33
